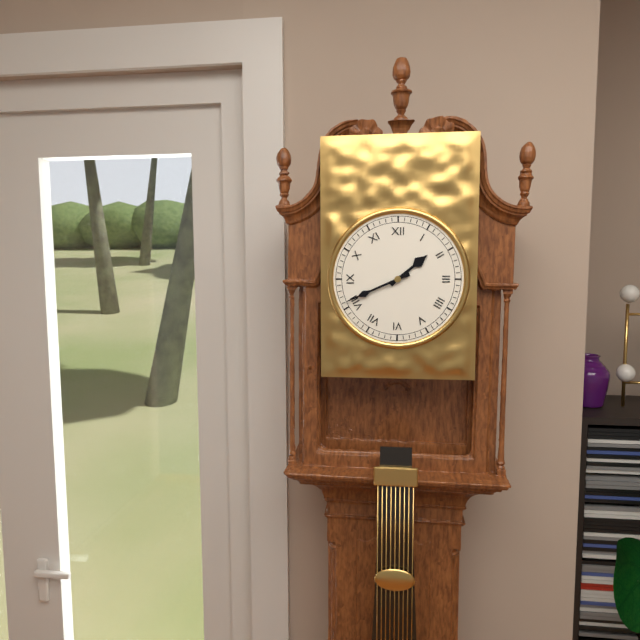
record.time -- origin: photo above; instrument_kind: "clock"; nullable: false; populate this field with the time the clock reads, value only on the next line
1:41
